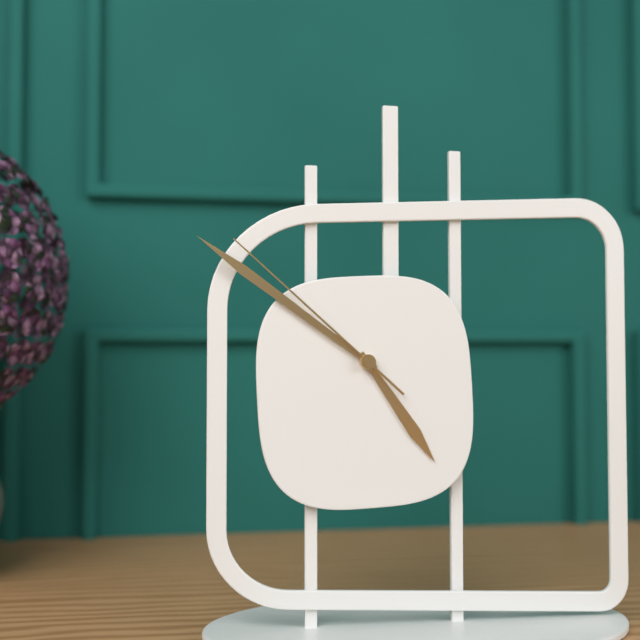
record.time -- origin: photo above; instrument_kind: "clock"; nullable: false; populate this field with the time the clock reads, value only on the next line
4:51:52
